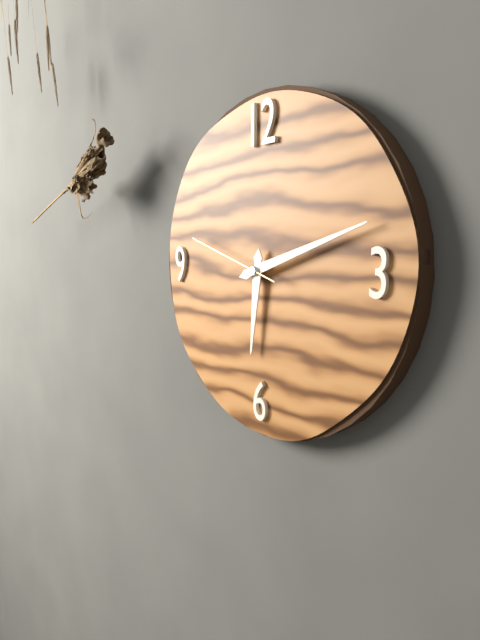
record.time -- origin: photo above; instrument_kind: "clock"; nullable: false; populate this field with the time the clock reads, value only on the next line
6:12:48
